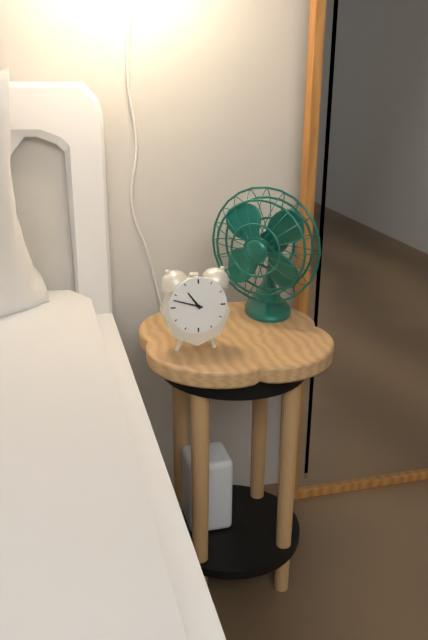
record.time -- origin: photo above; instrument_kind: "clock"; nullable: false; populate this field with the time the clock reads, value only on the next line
10:48
